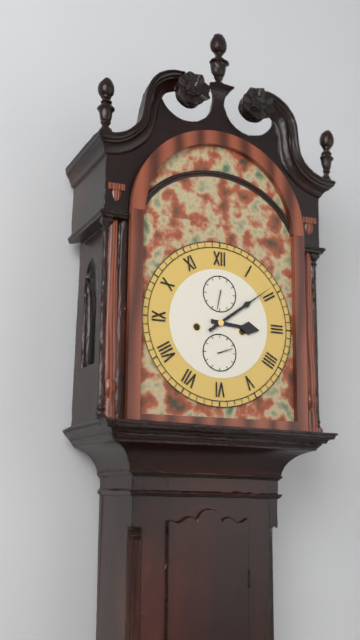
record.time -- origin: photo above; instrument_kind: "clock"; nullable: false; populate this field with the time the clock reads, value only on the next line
3:09
